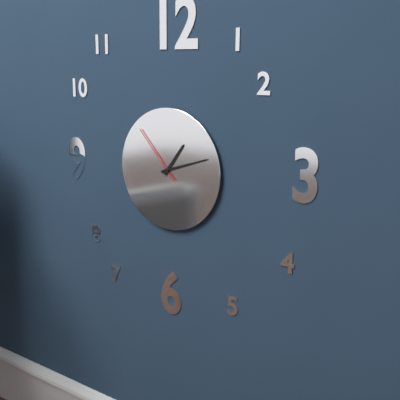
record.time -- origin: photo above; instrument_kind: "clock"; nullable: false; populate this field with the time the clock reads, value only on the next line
1:12:53
